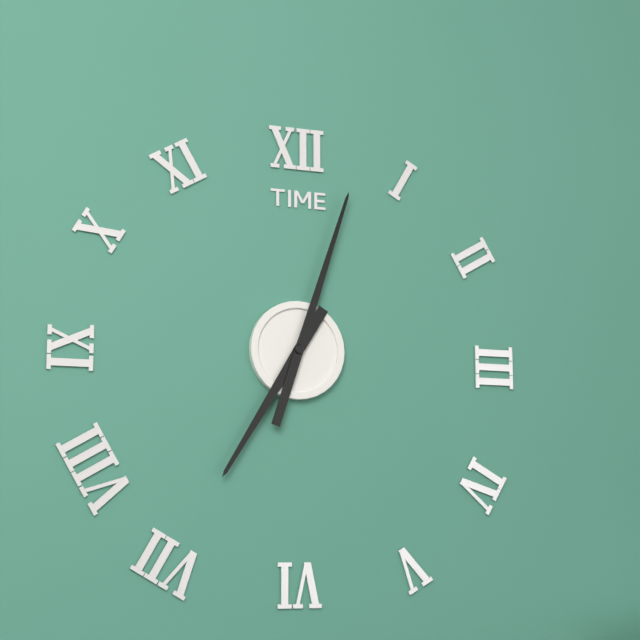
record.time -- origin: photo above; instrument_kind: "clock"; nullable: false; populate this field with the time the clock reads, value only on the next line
7:03
